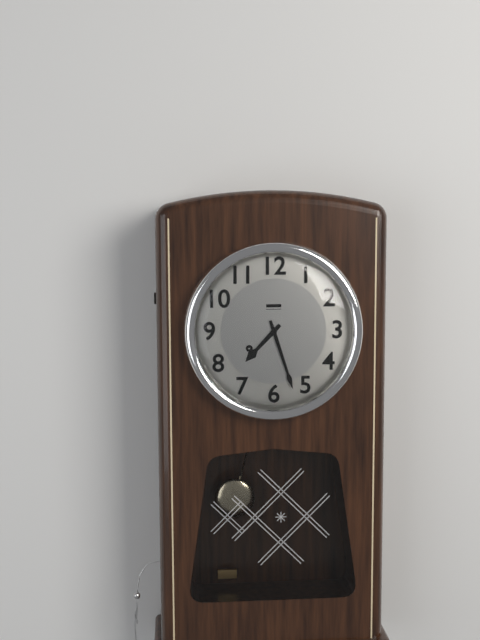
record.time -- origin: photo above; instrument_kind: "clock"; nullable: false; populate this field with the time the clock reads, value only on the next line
7:27
